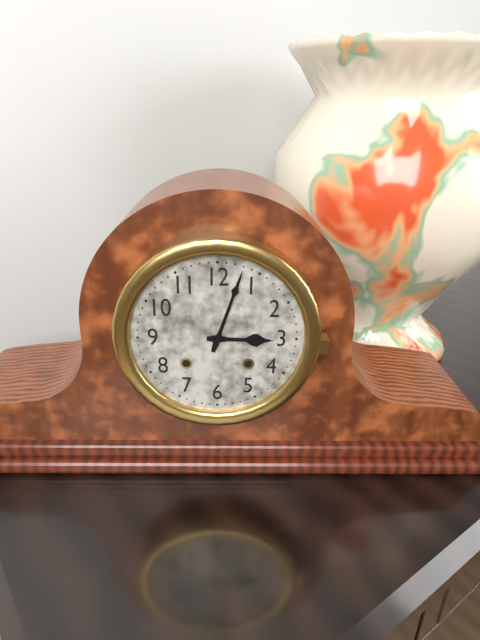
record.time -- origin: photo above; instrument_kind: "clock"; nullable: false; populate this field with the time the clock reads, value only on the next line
3:03
